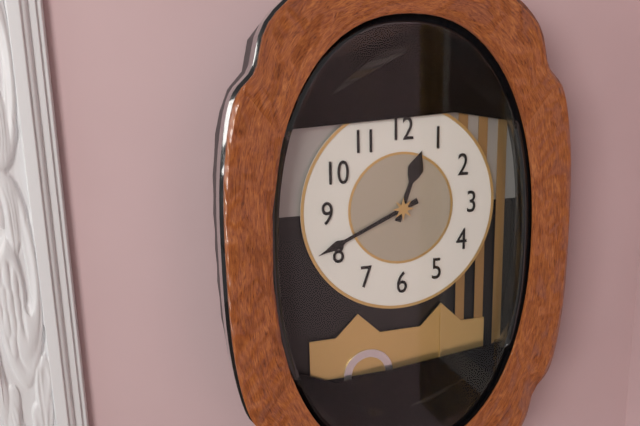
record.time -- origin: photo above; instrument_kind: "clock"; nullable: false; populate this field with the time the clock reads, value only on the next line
12:41
